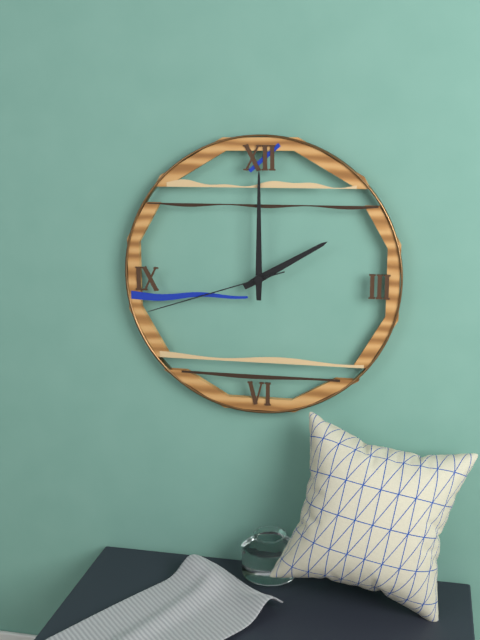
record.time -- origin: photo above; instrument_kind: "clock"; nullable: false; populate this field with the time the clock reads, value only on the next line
2:00:42
